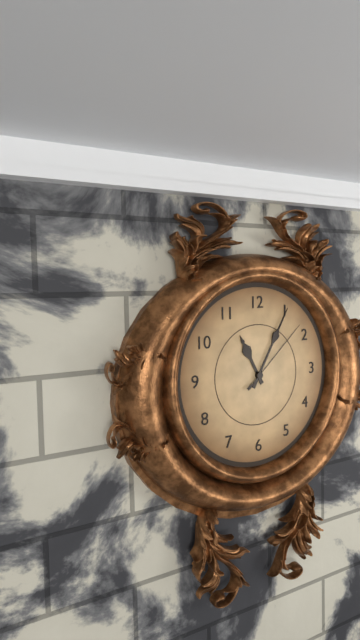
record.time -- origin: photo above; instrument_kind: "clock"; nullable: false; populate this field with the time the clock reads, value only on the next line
11:05:08
